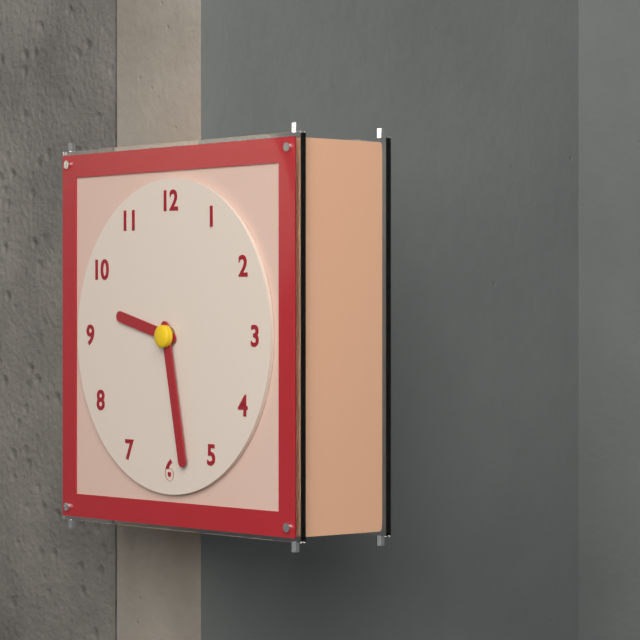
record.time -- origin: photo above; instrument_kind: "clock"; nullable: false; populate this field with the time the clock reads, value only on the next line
9:28
